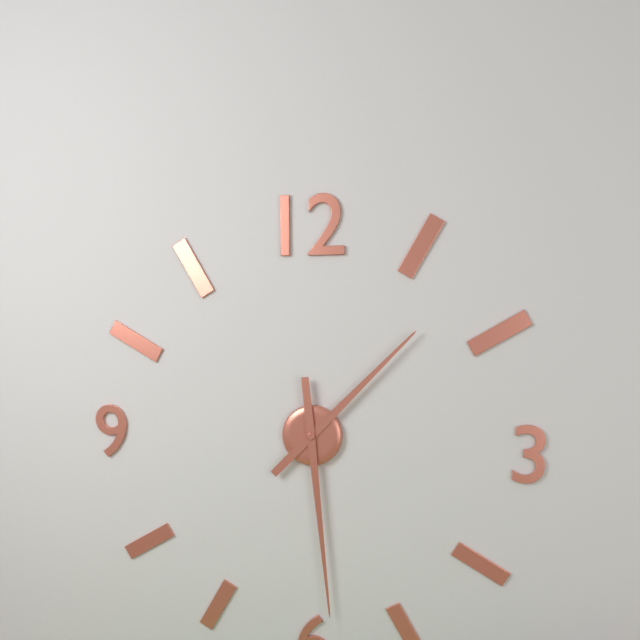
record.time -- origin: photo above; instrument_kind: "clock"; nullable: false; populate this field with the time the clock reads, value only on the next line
1:29
